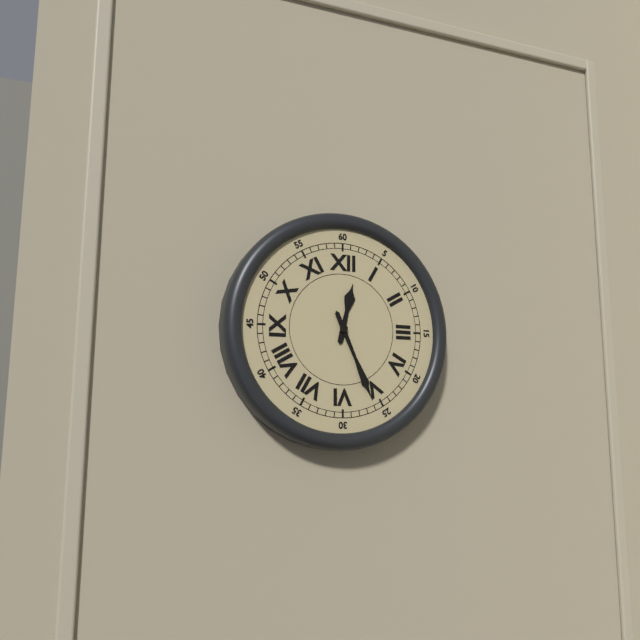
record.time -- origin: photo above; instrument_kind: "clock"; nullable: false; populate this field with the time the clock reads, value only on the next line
12:26
